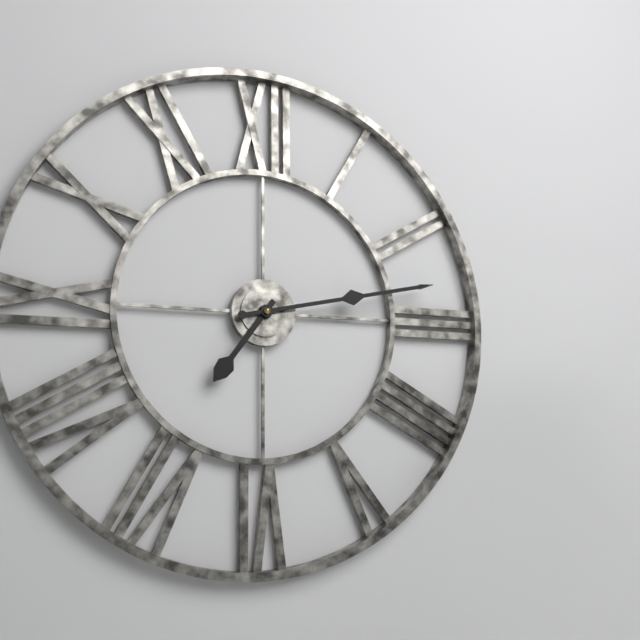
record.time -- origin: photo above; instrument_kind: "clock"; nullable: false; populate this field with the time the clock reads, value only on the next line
7:13
